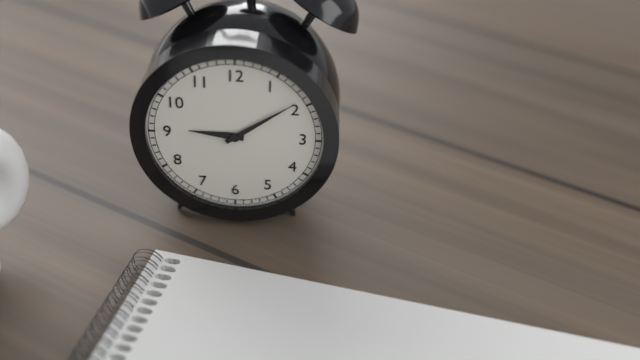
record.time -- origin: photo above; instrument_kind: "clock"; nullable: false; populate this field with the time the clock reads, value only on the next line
9:09
